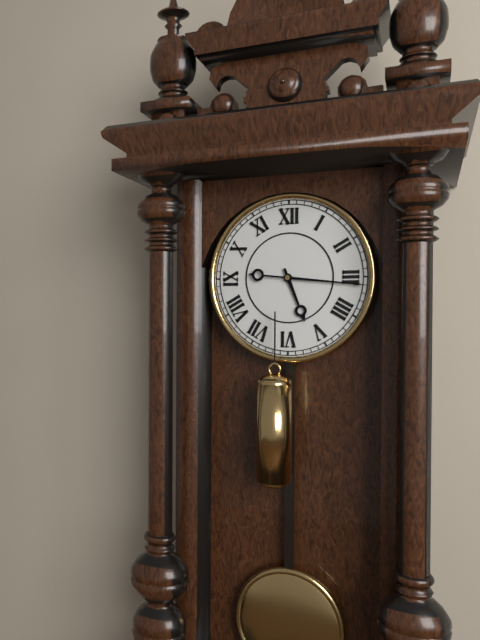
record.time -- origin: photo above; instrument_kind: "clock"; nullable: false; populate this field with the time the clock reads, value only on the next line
5:16
